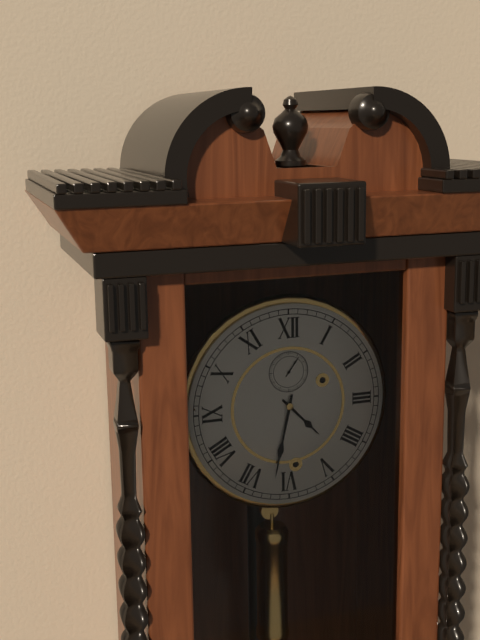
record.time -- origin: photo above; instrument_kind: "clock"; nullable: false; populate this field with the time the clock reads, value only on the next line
4:32
